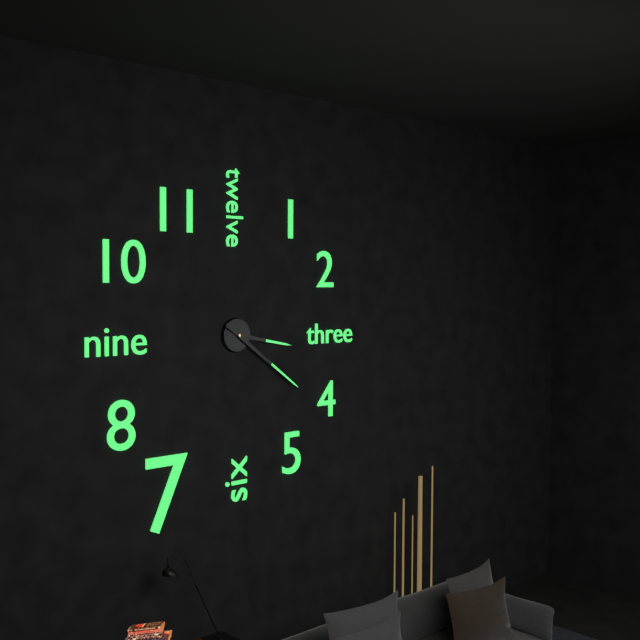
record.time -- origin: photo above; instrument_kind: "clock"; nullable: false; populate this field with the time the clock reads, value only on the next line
3:21
